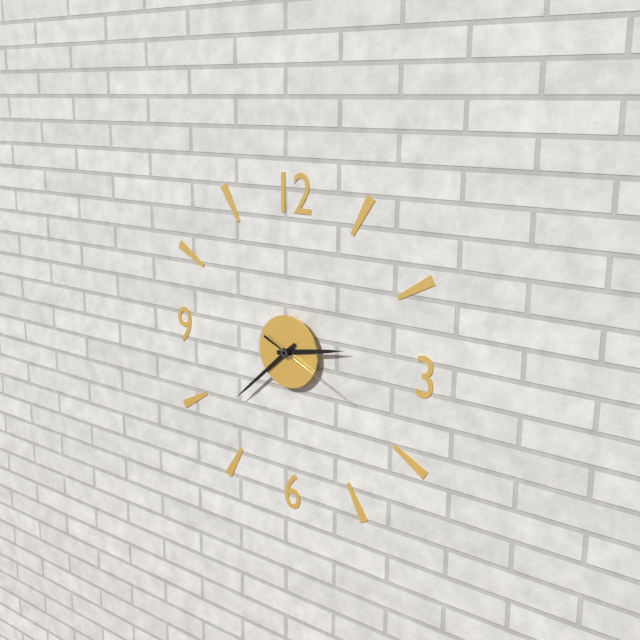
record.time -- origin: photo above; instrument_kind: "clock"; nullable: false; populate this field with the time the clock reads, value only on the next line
2:38:19
